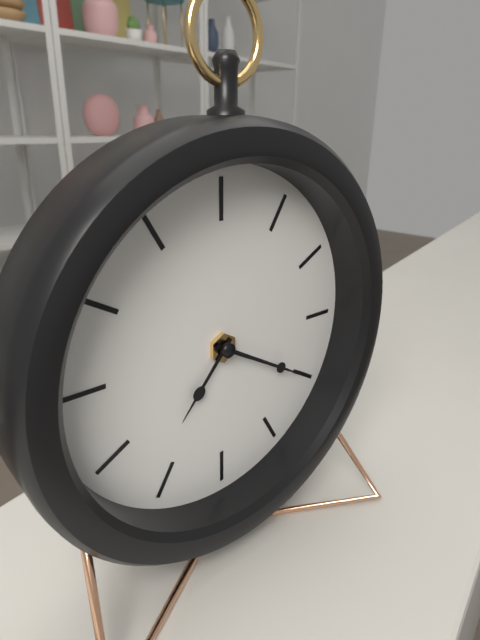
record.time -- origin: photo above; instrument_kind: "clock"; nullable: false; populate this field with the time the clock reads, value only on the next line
7:20
